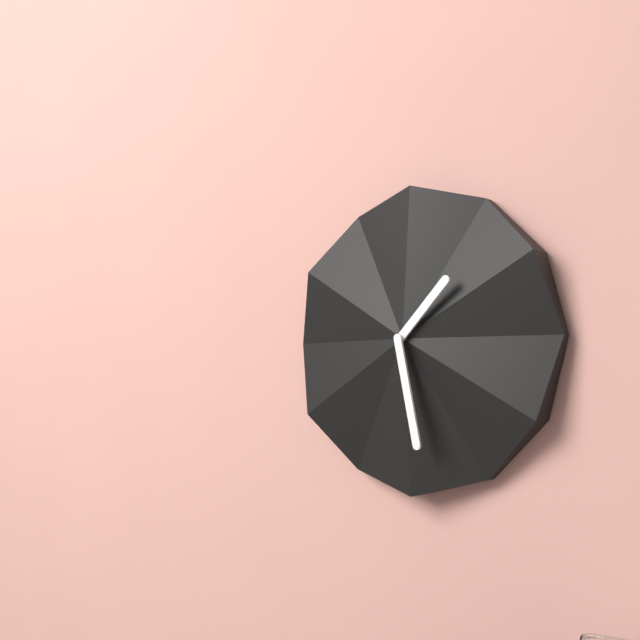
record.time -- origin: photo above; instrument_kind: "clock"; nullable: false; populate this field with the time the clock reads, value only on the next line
1:28
